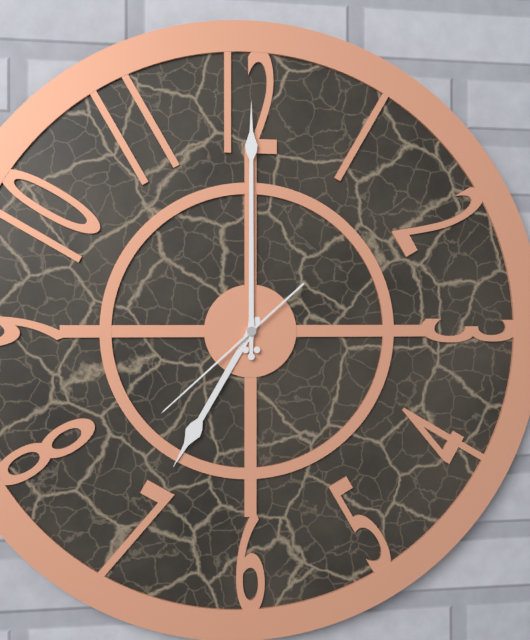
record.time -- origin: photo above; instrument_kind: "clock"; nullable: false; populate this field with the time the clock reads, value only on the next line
7:00:38
